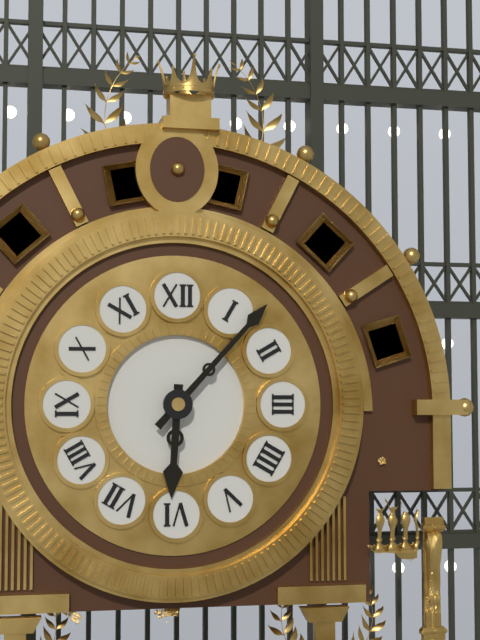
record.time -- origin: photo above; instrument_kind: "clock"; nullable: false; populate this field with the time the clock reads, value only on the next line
6:07
